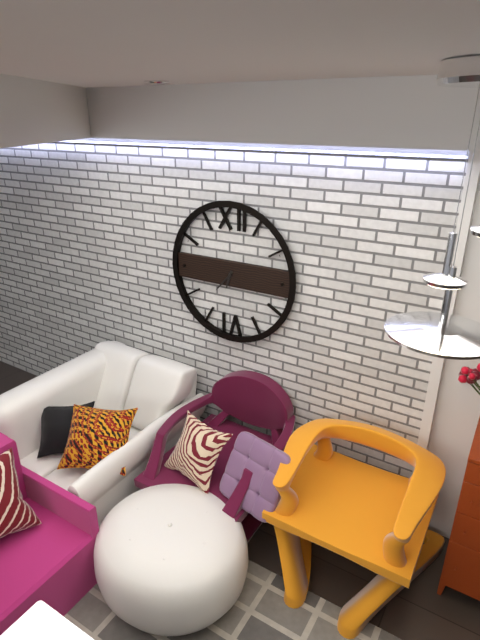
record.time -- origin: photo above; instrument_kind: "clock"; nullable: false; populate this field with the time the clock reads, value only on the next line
6:37
